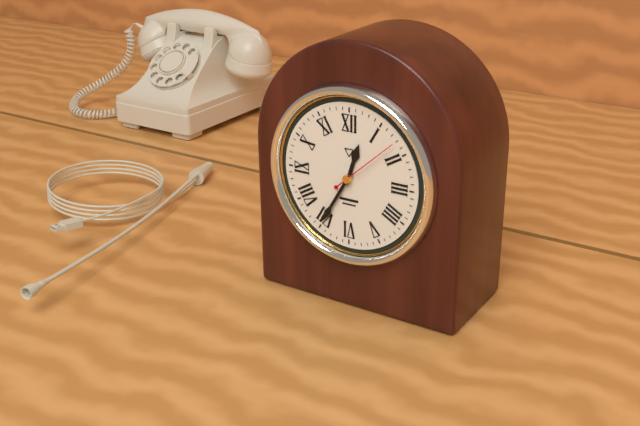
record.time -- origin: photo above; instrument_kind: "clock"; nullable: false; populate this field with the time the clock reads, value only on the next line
12:35:08
